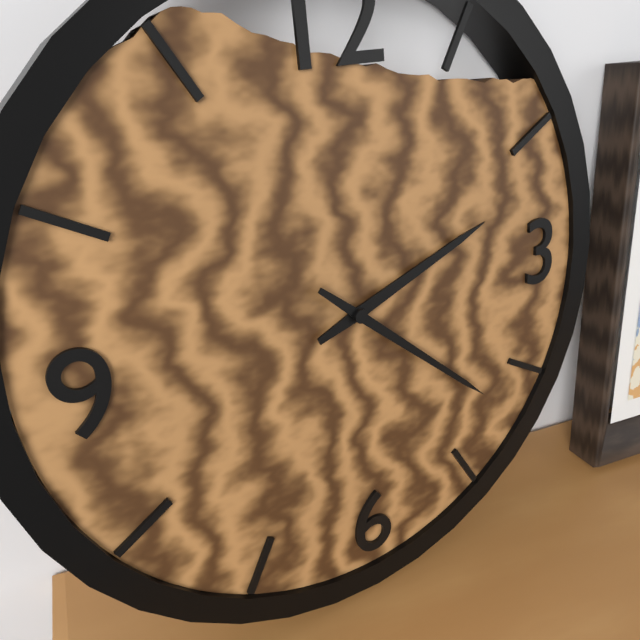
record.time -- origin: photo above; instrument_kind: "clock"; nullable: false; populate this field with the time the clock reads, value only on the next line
2:22
